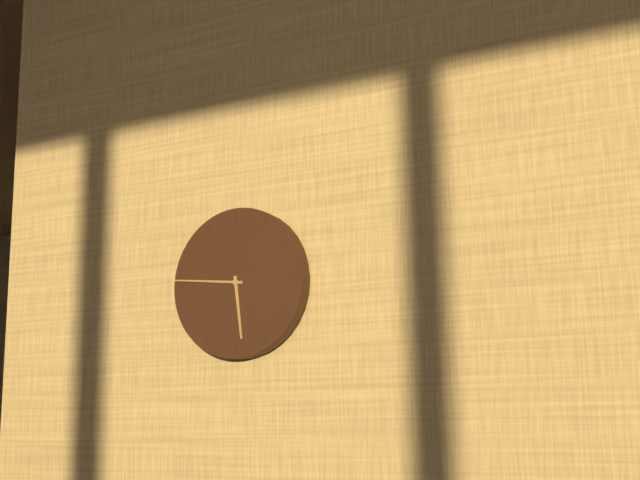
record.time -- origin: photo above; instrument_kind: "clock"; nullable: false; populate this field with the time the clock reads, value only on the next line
5:46
